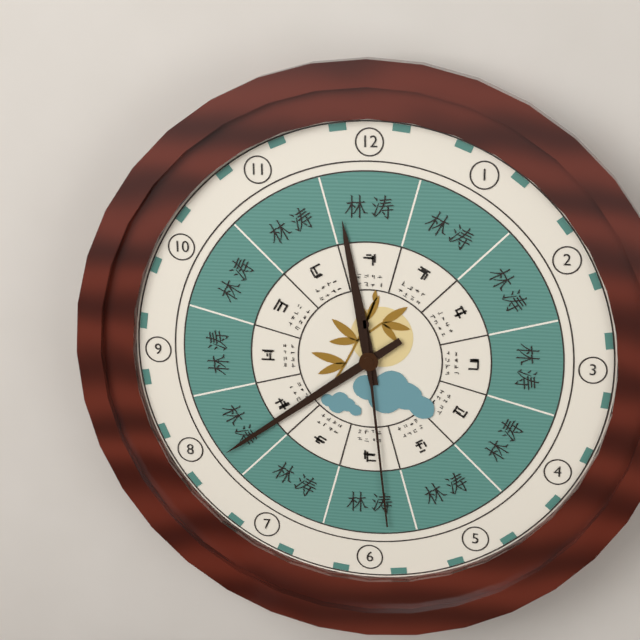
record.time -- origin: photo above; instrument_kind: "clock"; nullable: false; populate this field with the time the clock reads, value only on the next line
11:39:29
